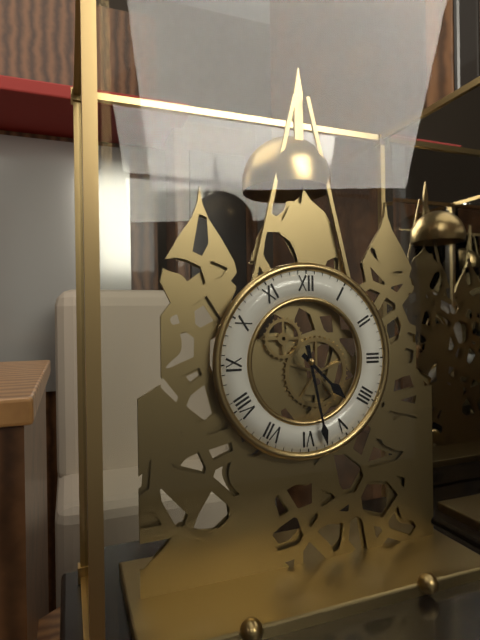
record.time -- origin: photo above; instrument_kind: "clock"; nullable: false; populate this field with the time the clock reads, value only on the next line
4:28
